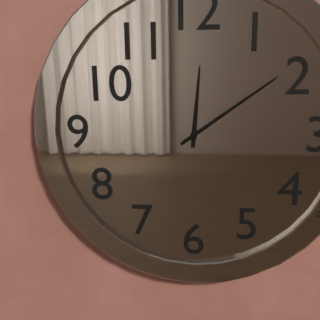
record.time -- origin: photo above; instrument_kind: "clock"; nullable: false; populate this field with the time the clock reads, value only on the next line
12:09
